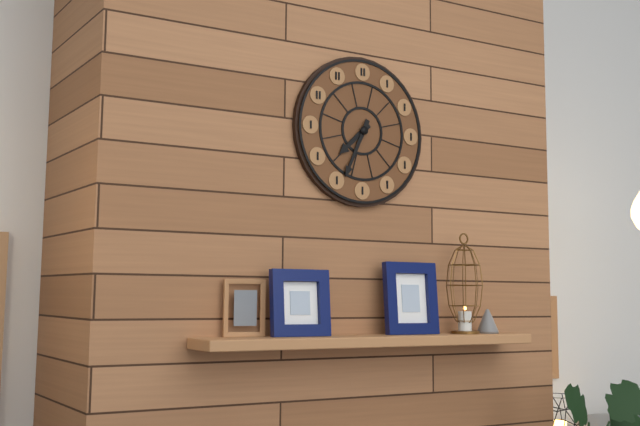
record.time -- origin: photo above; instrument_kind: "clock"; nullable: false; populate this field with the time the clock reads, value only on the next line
7:34
